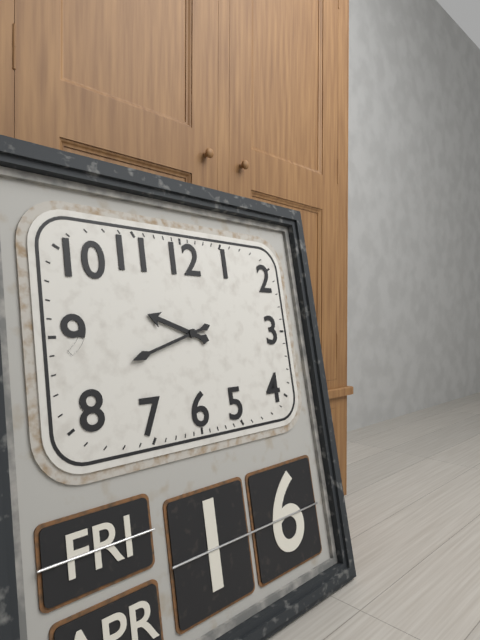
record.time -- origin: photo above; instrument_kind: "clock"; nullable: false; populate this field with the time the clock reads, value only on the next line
9:42
